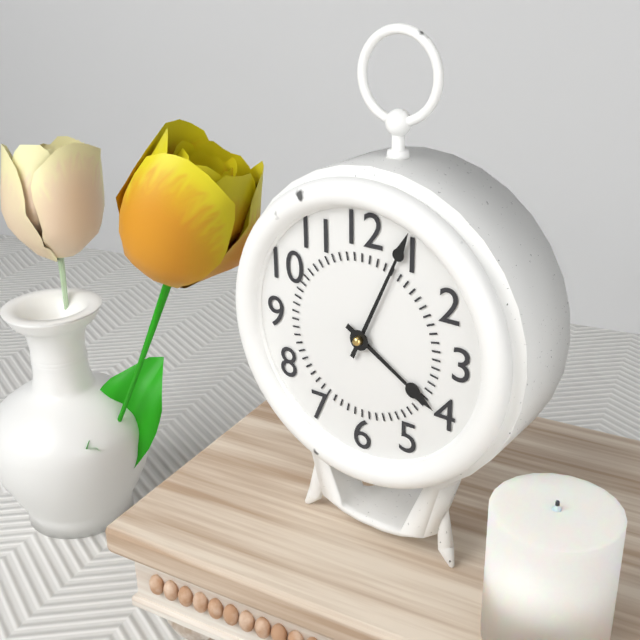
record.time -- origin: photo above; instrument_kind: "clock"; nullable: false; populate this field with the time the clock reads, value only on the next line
4:04
